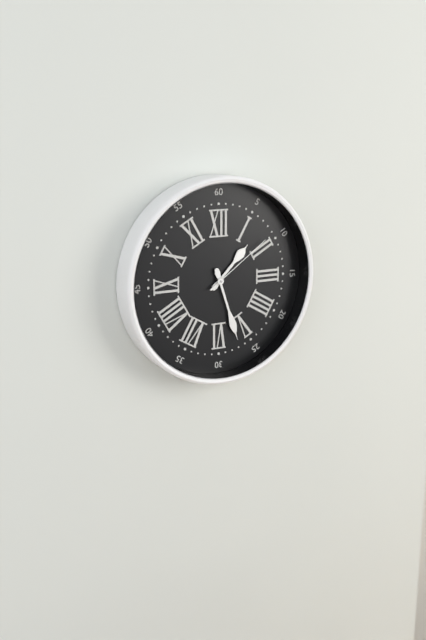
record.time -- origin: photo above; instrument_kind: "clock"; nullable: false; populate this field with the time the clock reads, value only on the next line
1:27:09
